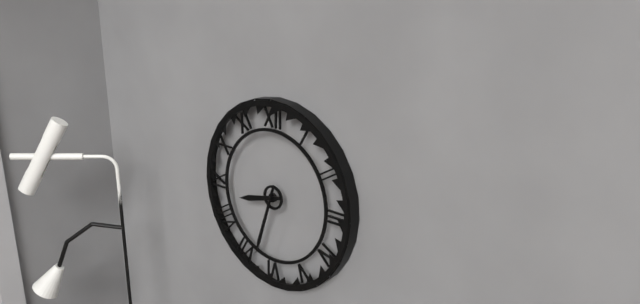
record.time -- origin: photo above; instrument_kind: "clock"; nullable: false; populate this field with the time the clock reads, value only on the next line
8:33
